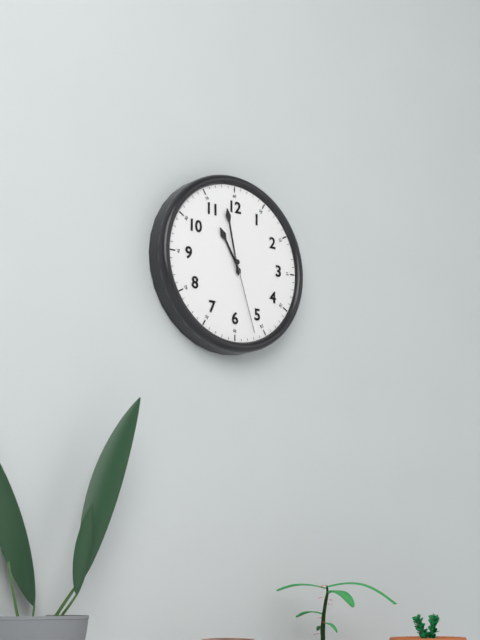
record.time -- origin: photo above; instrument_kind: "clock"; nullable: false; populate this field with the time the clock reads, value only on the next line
10:58:27
